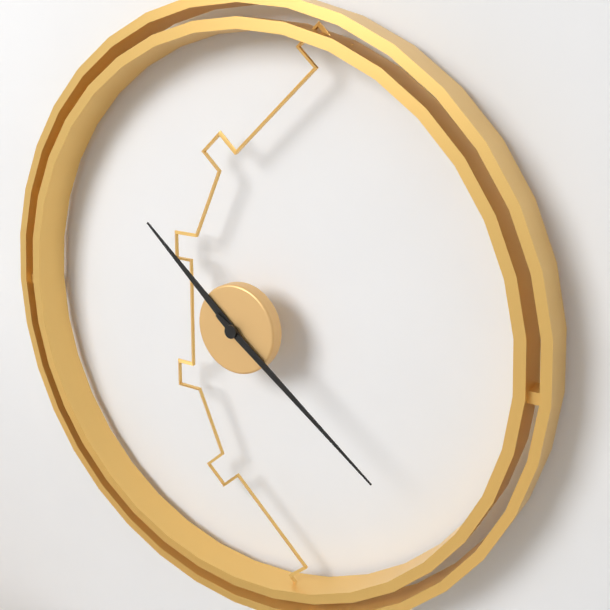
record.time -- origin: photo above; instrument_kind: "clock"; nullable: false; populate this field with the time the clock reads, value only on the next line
10:21
